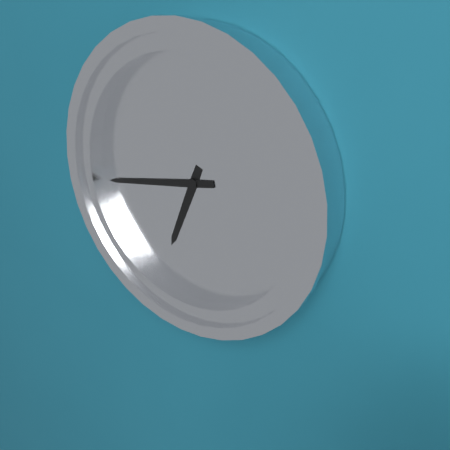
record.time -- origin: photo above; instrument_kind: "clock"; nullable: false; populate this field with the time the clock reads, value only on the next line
6:43
